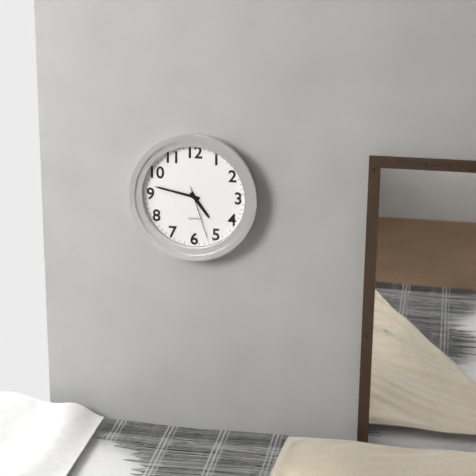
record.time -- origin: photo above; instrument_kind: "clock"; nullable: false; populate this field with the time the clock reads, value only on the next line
4:47:27
